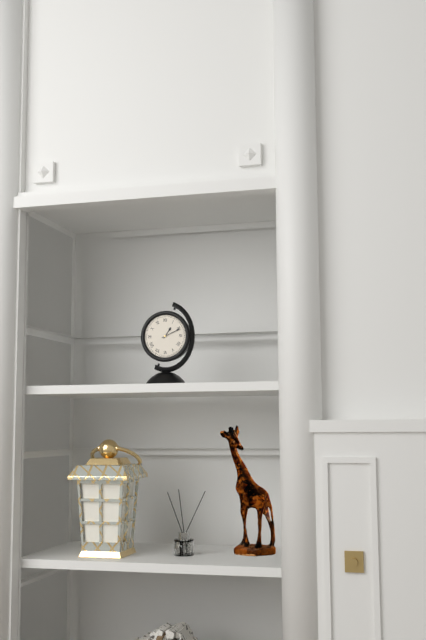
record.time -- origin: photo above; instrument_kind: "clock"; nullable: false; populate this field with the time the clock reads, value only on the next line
1:11
